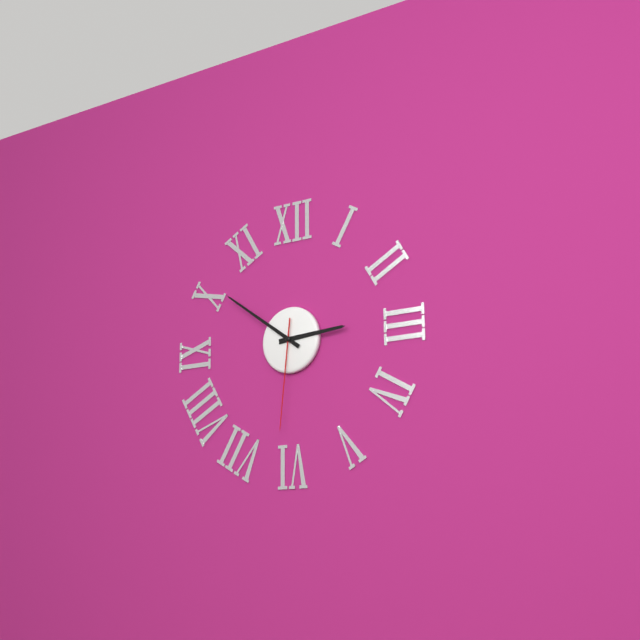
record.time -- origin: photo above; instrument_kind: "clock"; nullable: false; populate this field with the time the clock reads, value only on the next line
2:51:31
